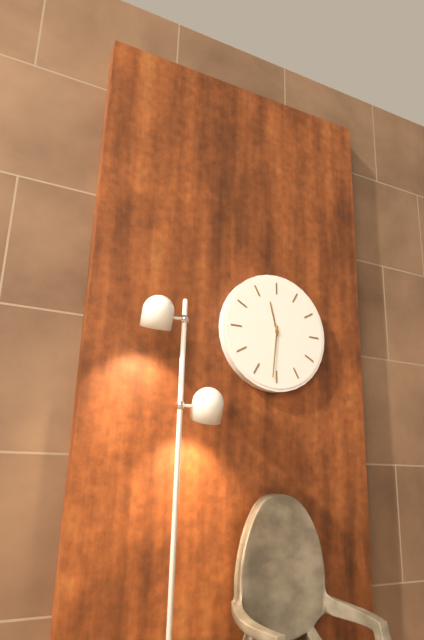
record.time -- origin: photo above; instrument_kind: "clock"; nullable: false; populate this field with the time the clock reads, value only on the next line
11:31
